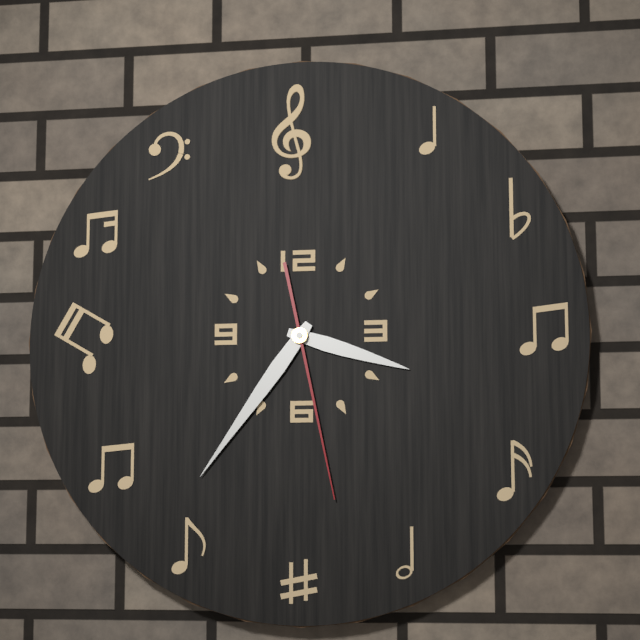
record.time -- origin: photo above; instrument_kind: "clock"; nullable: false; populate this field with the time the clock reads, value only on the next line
3:36:28
